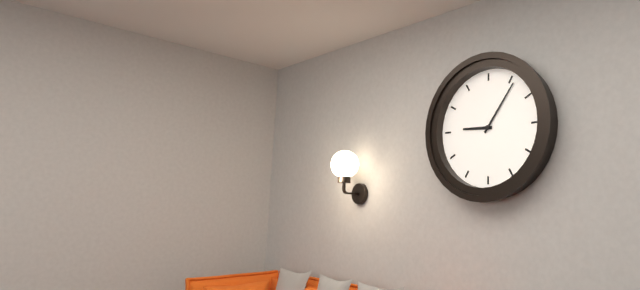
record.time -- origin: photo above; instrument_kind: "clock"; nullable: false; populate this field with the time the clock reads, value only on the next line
9:06
